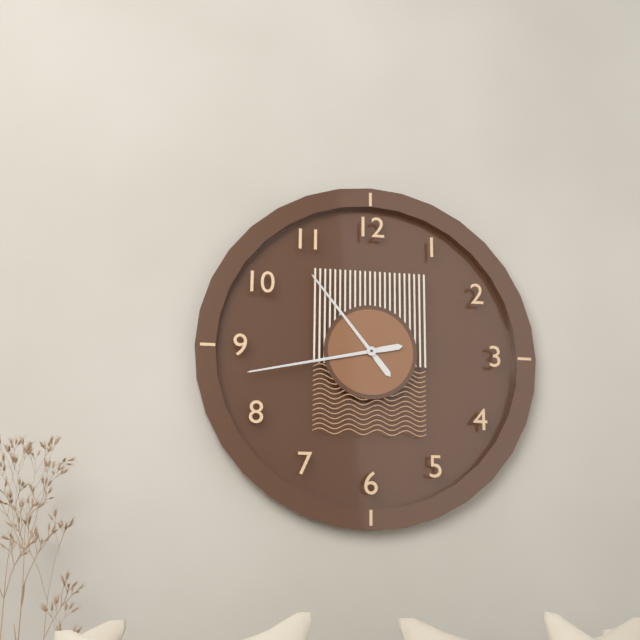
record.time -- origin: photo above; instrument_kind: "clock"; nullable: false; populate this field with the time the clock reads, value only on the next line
10:43
